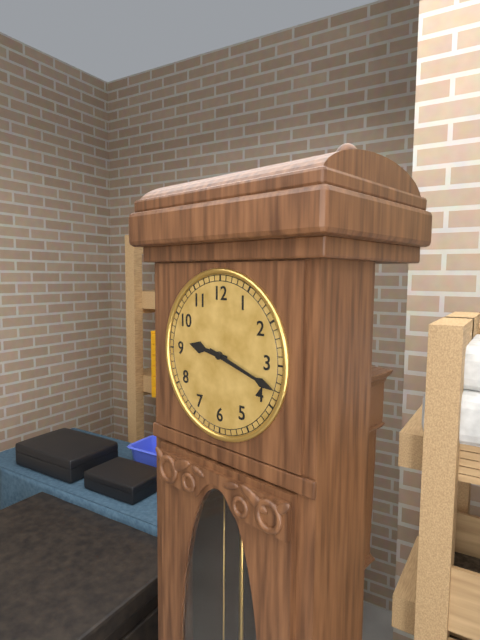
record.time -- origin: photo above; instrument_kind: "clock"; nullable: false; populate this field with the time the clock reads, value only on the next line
9:18
